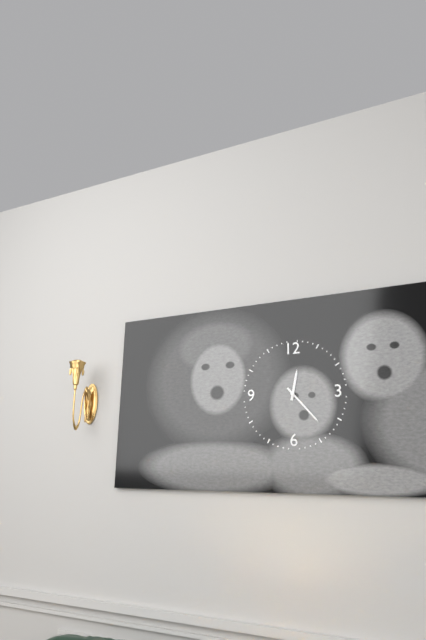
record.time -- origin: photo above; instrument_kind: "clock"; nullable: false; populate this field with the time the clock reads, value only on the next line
12:23
